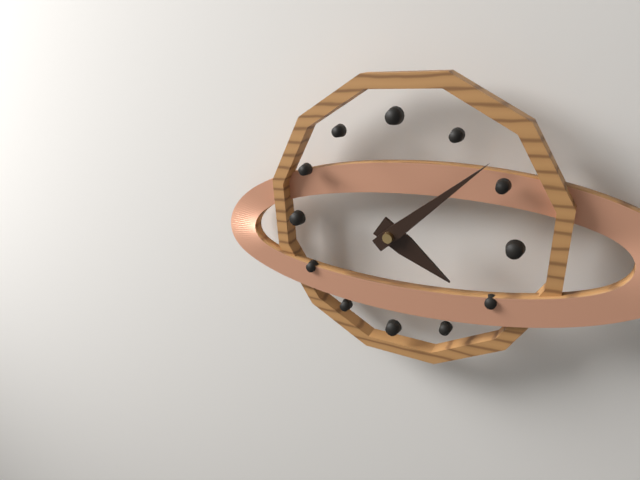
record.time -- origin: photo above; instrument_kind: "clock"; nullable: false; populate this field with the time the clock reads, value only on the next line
4:08
